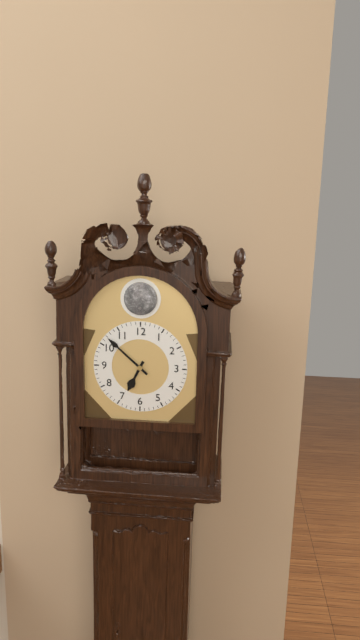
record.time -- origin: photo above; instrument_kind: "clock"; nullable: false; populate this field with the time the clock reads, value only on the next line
6:52
